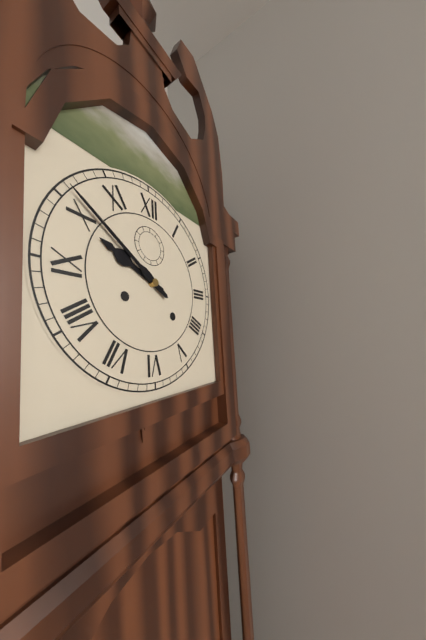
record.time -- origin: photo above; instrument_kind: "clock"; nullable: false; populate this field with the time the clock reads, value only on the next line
9:51
